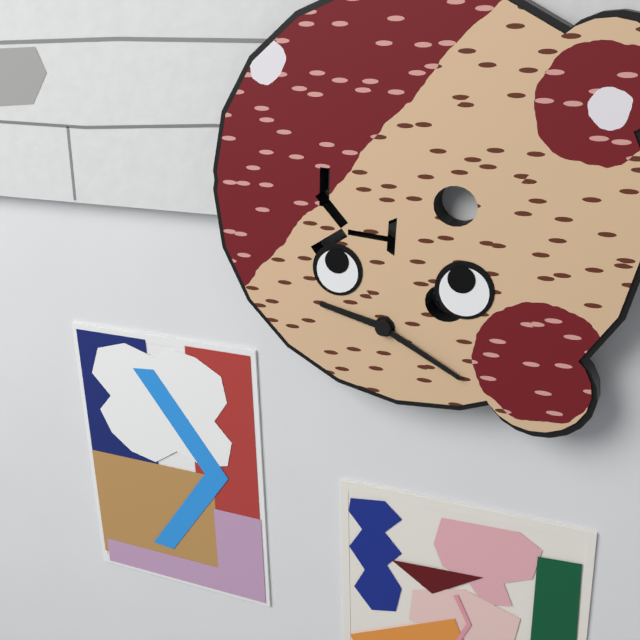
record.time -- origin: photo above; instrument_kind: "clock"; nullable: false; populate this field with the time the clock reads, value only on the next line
9:19
